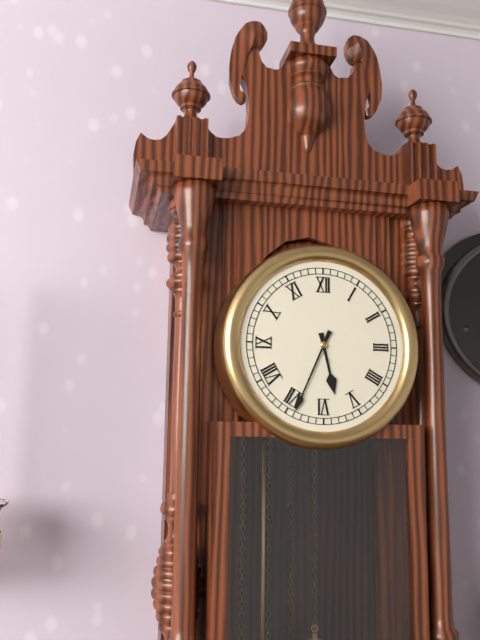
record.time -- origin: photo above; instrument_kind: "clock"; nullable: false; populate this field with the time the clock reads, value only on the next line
5:34
